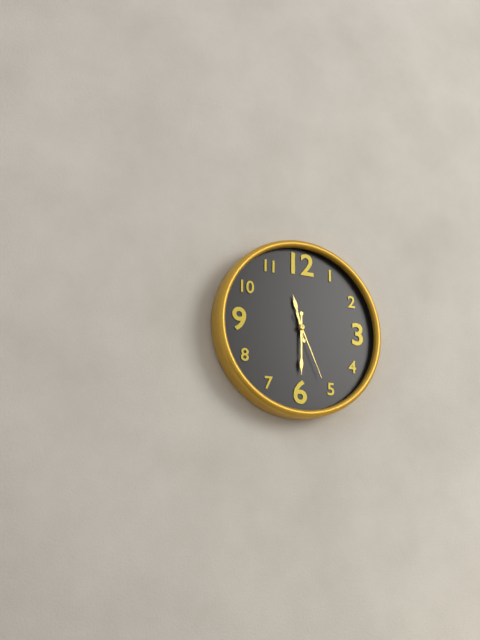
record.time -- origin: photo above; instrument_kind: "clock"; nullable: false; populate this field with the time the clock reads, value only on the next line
11:30:26
